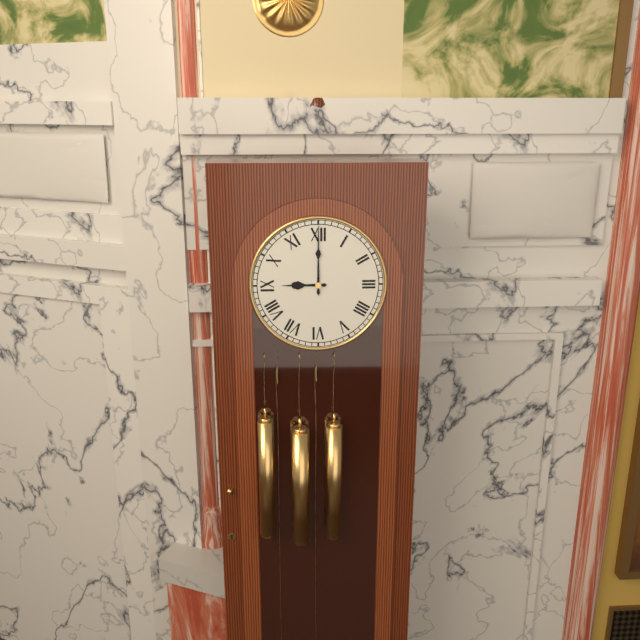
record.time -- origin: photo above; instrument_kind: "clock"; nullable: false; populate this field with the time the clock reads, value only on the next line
9:00
